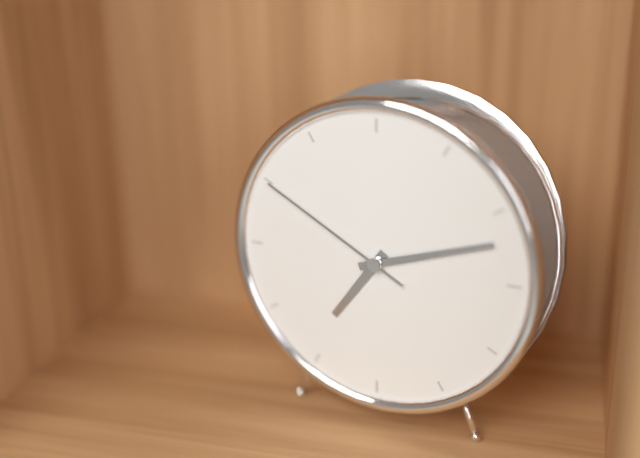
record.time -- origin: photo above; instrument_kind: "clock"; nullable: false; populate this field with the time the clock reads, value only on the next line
7:12:50
